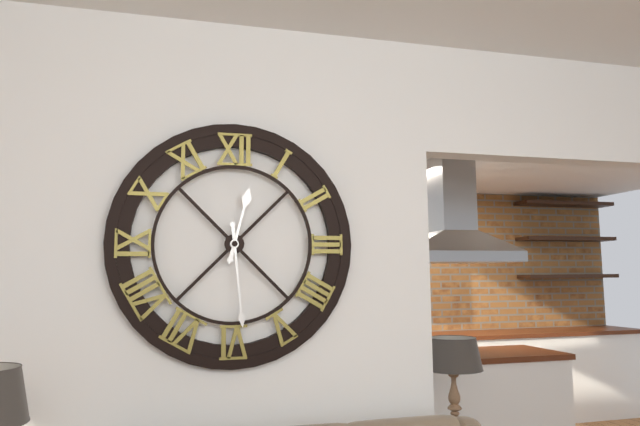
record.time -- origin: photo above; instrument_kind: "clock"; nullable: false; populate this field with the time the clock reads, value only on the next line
12:29
